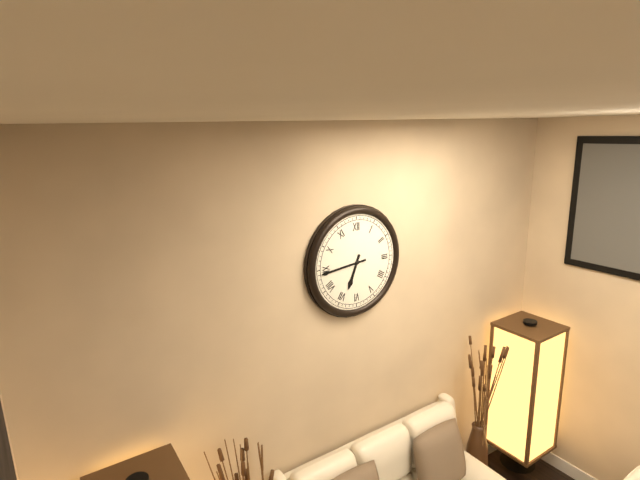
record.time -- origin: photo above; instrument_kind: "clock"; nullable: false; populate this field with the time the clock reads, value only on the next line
6:44
